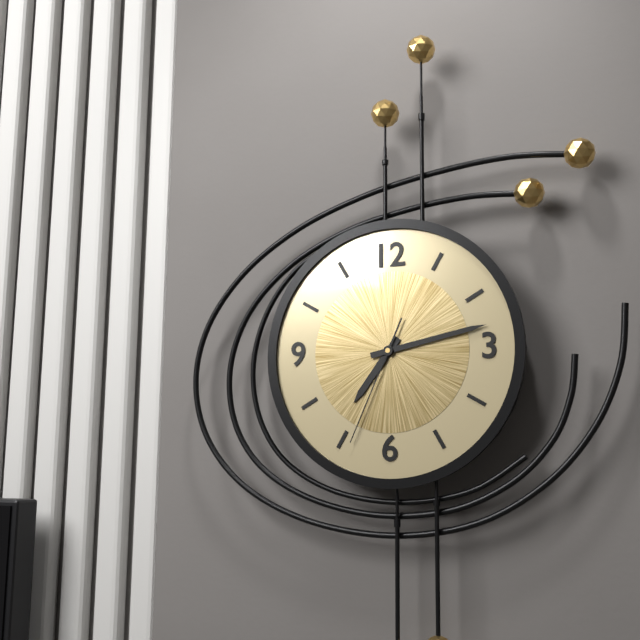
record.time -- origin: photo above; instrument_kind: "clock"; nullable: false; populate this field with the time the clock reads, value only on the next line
7:13:34
